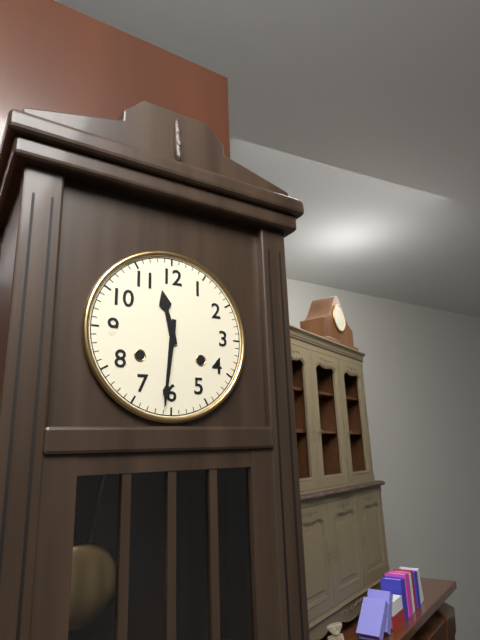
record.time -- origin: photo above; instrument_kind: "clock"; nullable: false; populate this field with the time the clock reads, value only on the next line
11:31
